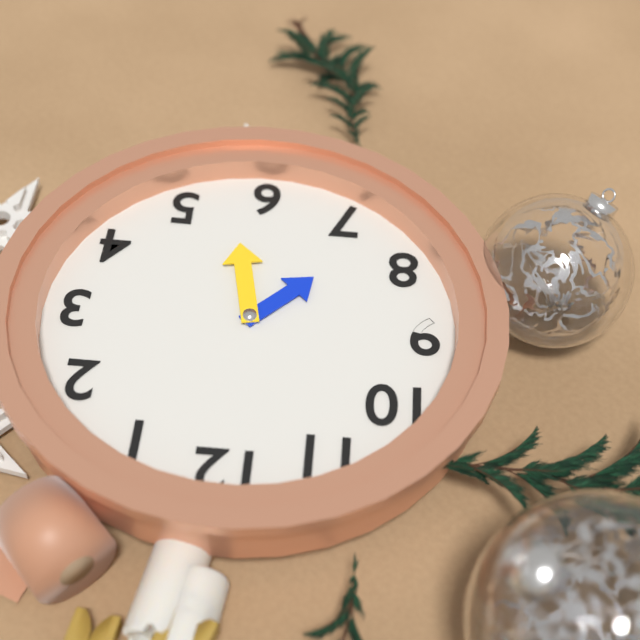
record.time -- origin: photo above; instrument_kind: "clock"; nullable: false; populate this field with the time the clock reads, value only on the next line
7:28
